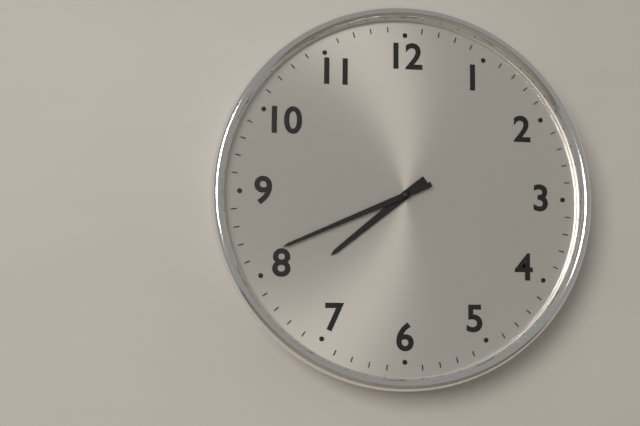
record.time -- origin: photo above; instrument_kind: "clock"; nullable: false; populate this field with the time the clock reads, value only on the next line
7:41
